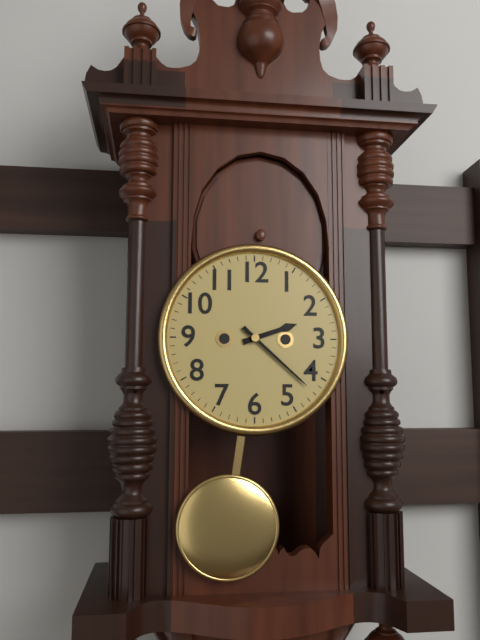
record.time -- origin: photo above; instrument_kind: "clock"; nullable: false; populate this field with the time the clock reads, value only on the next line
2:22
